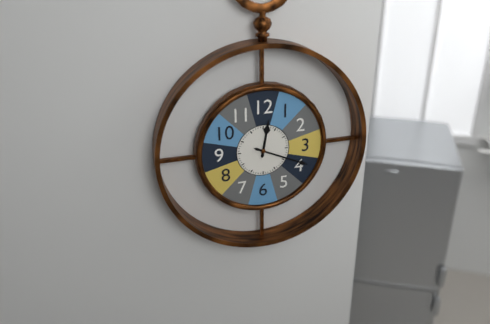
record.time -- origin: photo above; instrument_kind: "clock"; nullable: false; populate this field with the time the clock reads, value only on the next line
12:19
